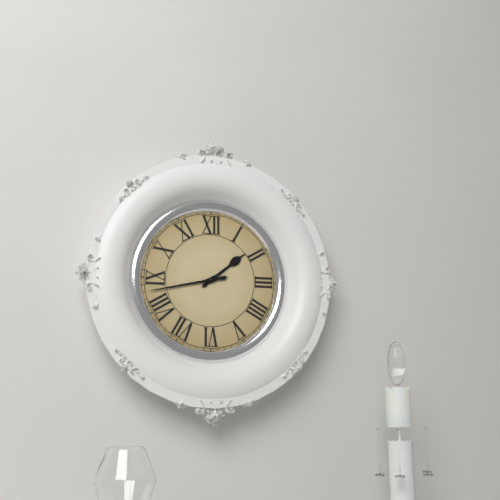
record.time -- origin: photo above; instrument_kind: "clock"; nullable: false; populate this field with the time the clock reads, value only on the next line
1:43
